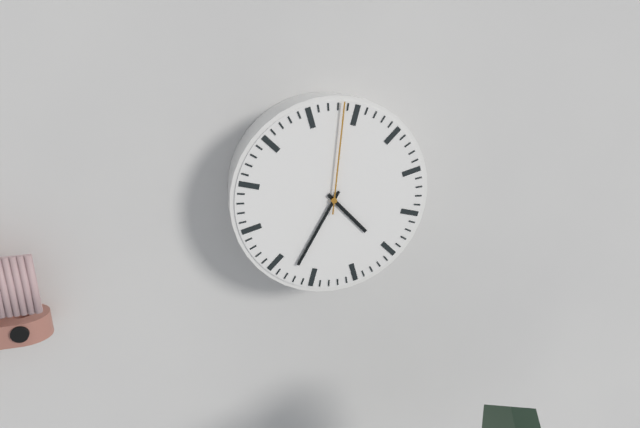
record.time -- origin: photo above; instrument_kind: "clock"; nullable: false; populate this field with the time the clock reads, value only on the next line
4:35:01
